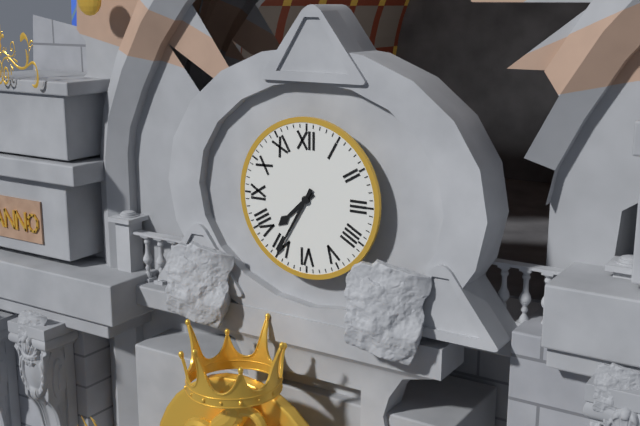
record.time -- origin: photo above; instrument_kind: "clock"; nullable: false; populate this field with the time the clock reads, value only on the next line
7:35
